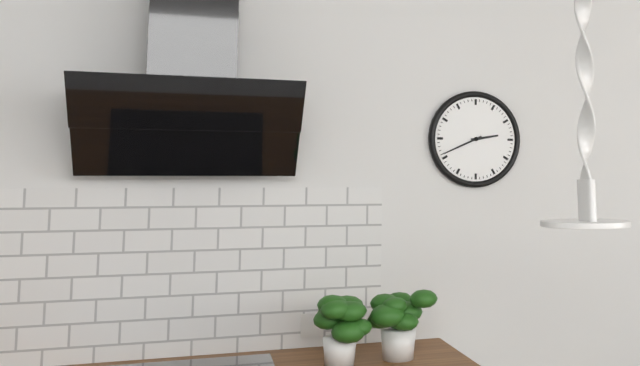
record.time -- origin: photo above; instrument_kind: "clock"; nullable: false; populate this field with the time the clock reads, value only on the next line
2:41
